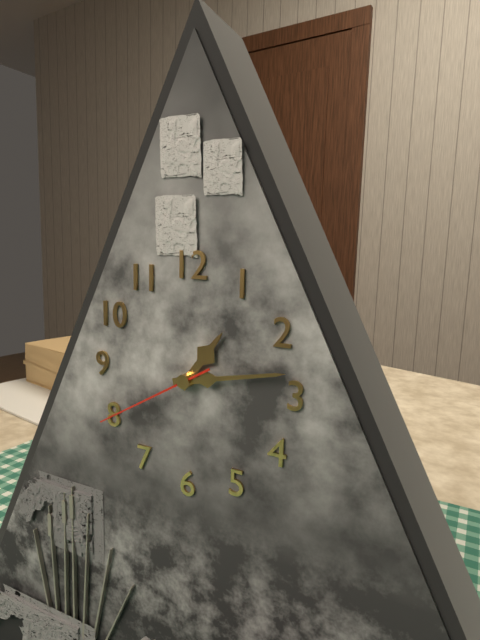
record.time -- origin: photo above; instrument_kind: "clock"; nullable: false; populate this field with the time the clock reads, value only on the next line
1:13:40
